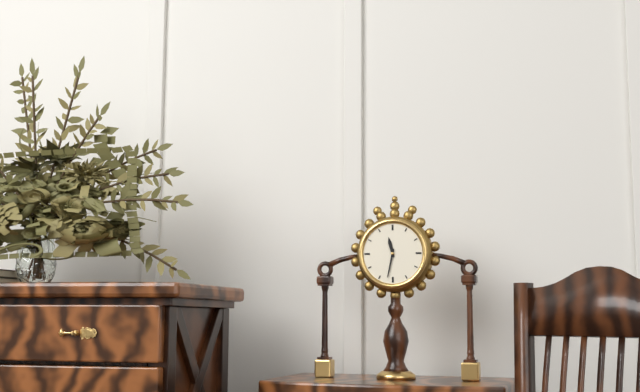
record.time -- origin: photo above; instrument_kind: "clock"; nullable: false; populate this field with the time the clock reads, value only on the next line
11:32
